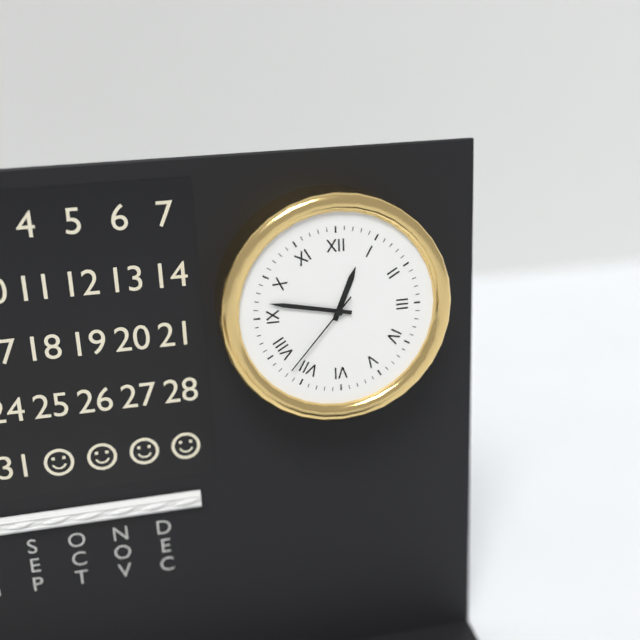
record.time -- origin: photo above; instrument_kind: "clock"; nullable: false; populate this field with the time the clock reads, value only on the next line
12:47:37
